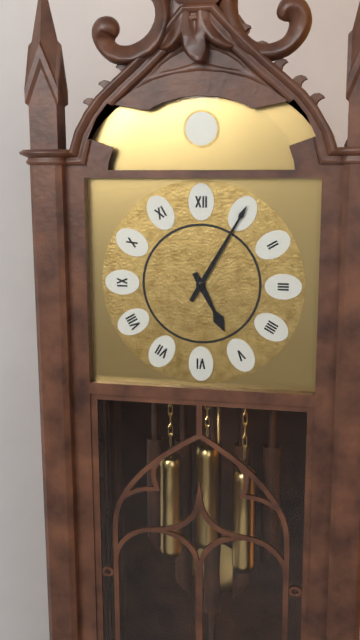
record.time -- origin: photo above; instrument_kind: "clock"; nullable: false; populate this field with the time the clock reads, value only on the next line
5:05
